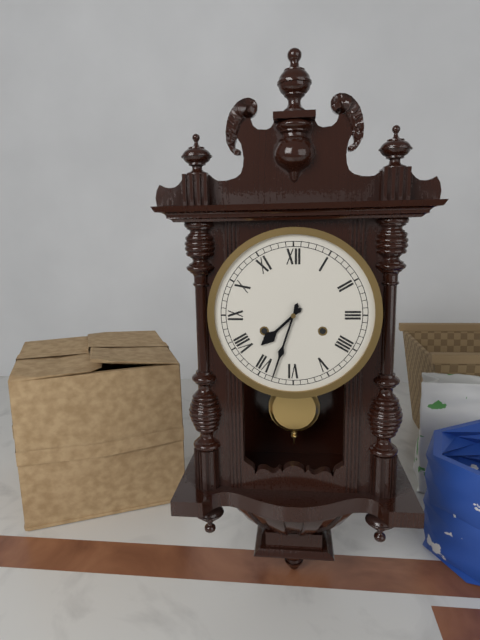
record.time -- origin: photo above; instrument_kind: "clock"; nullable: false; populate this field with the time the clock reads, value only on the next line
7:33
